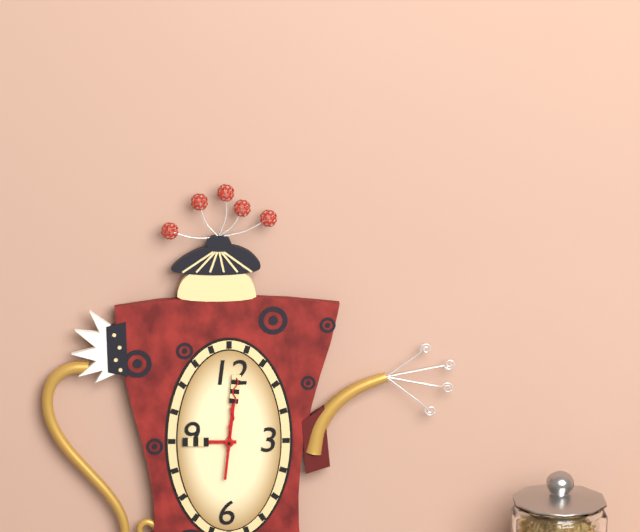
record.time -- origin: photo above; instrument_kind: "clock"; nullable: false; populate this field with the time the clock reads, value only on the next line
9:01:01
